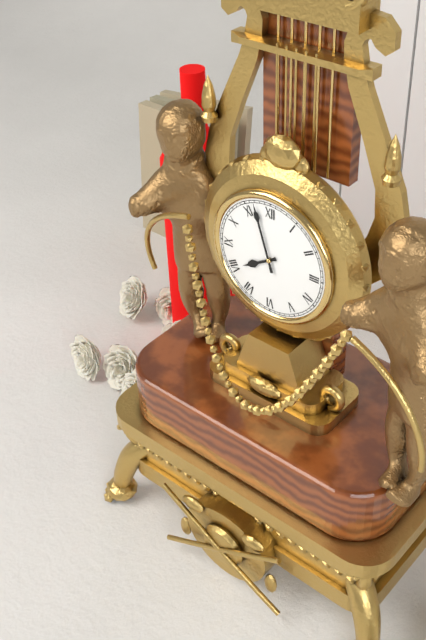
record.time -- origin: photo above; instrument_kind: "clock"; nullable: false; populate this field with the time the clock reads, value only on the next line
7:57
